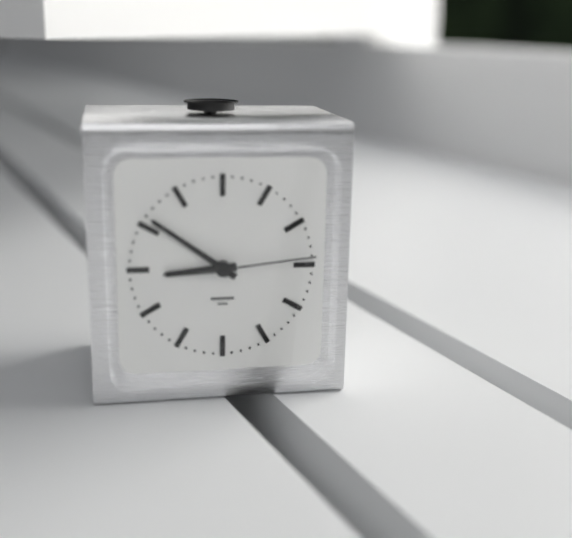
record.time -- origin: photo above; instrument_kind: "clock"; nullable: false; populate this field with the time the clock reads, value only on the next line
8:51:14
